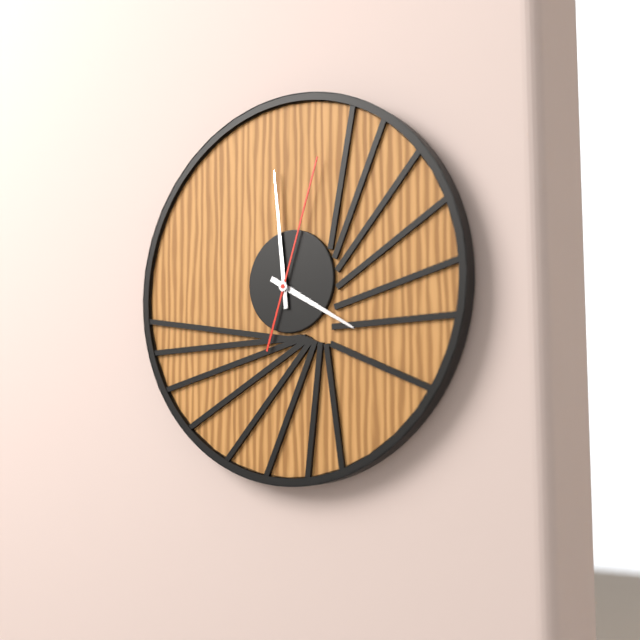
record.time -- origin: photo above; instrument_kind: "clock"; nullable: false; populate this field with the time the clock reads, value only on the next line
3:59:03
